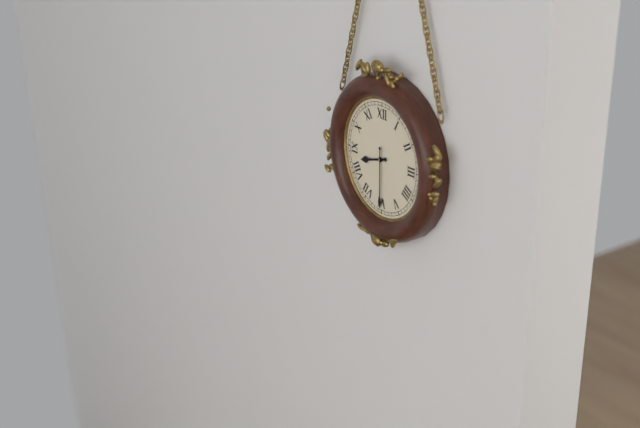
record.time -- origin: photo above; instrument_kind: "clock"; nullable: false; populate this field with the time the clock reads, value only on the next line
8:30
